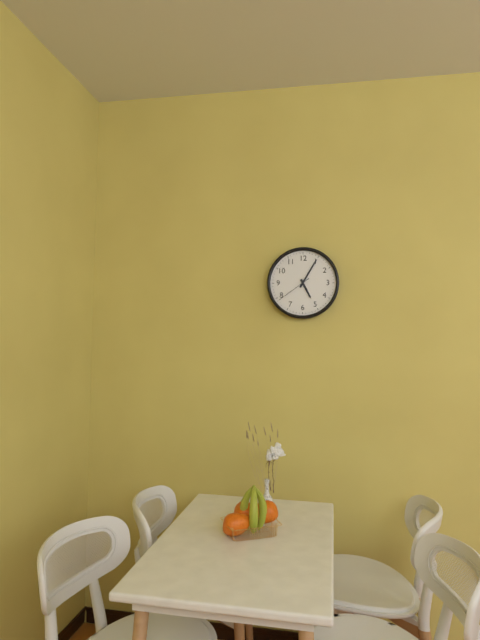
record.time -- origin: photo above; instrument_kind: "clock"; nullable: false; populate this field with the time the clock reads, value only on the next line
5:05
